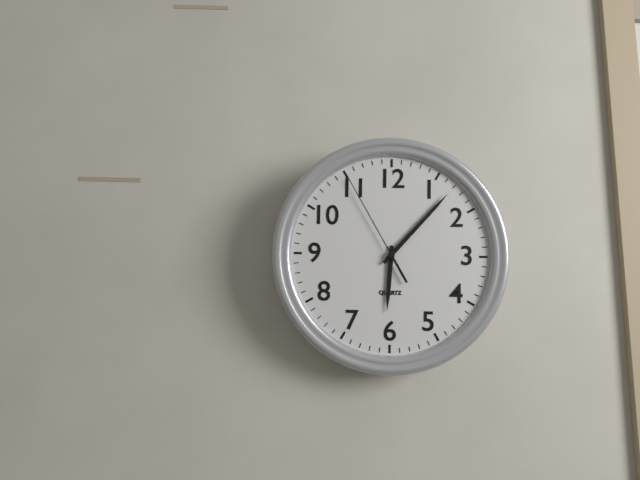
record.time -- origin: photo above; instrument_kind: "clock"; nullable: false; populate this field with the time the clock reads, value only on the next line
6:07:55
